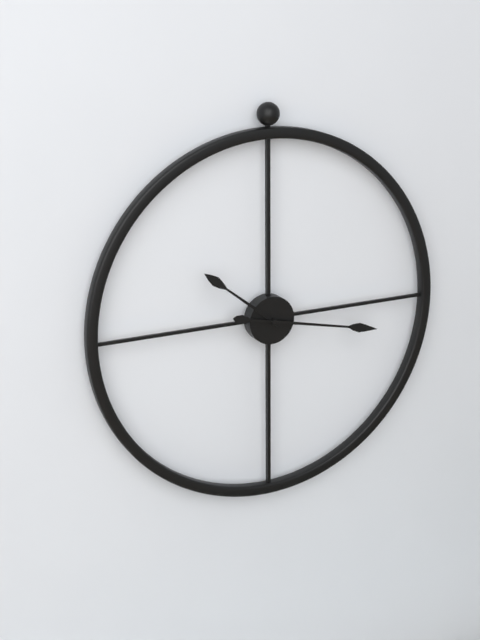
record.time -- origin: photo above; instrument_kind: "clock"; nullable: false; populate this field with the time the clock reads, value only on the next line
10:17
